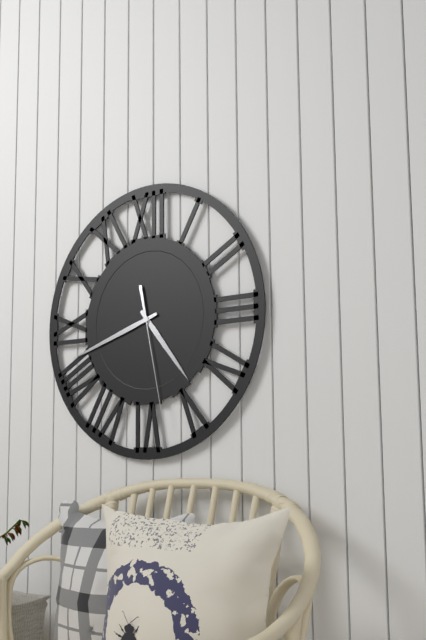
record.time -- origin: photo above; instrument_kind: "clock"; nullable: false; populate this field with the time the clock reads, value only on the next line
4:42:28
